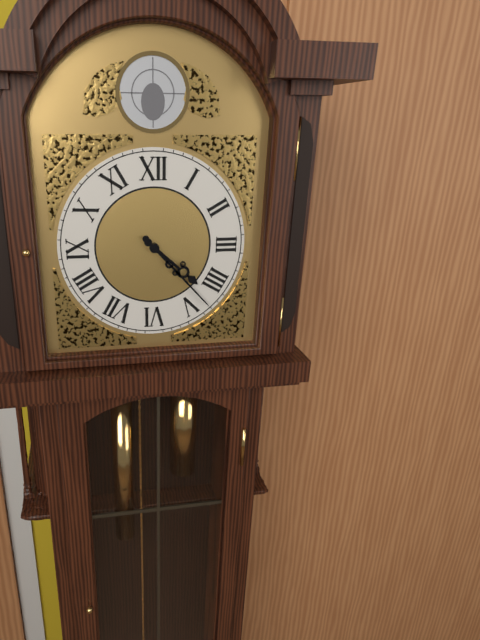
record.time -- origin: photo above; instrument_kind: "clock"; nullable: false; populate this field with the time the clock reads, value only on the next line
4:23
